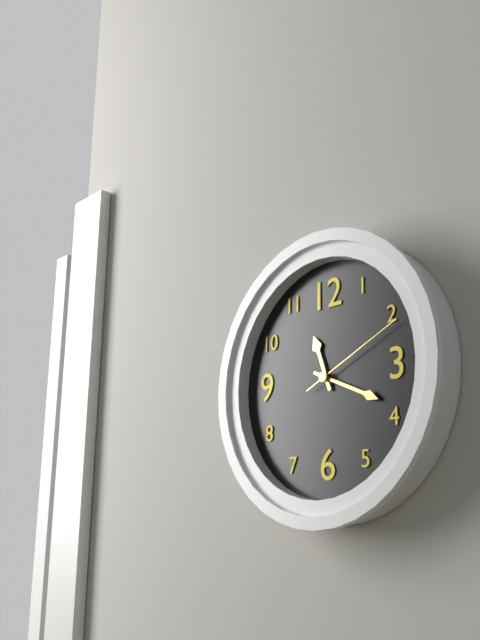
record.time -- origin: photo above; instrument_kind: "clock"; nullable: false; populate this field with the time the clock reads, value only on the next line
11:19:11
